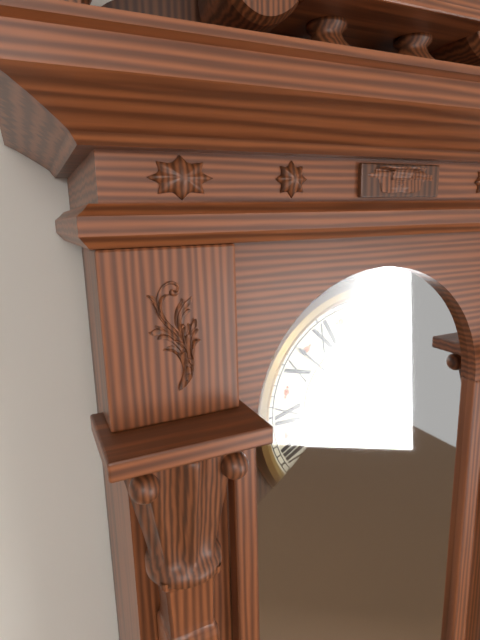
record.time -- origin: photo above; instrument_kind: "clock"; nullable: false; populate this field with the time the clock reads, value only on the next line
11:52
